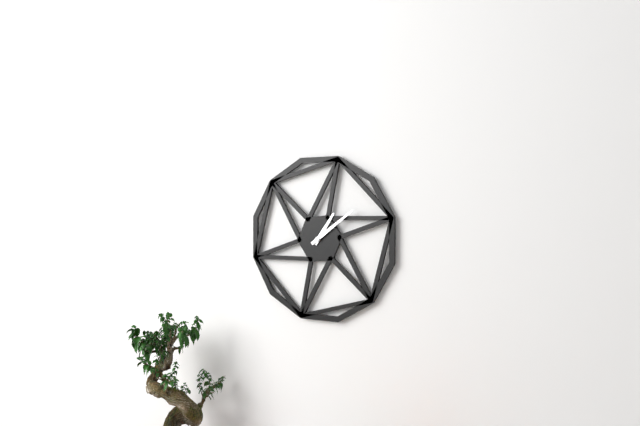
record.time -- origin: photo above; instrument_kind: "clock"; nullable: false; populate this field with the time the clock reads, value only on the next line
1:09
